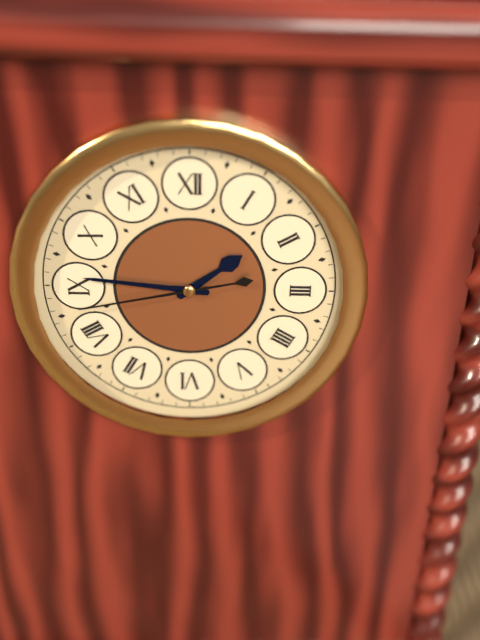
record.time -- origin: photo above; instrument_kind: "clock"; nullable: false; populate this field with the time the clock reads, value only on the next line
1:46:43
